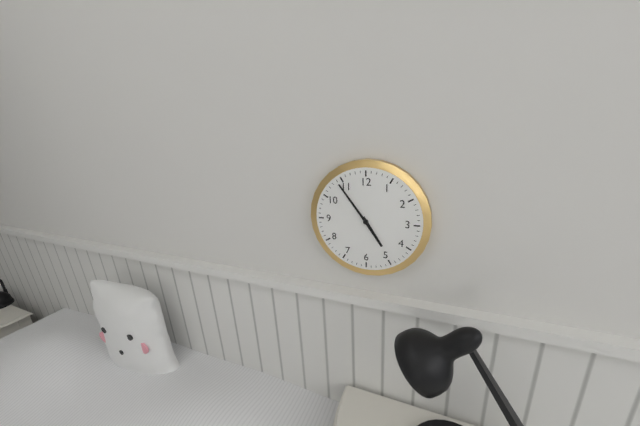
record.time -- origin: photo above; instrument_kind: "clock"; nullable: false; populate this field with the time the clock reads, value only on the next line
4:54
